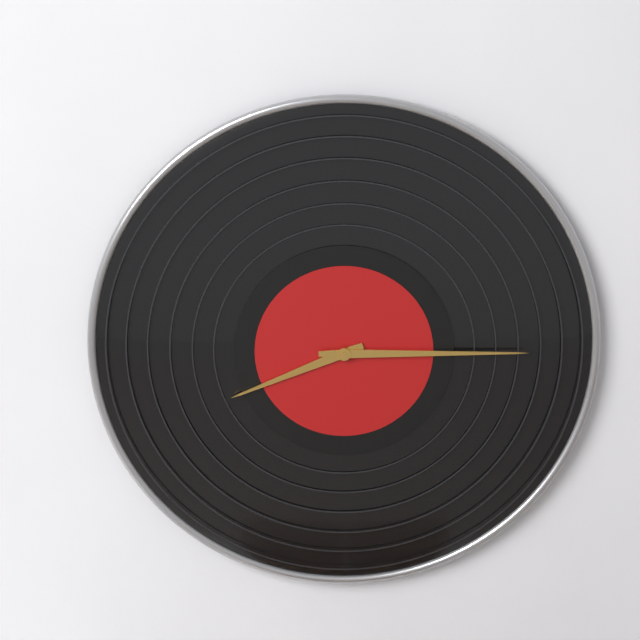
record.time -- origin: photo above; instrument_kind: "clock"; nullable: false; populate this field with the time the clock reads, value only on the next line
8:15
